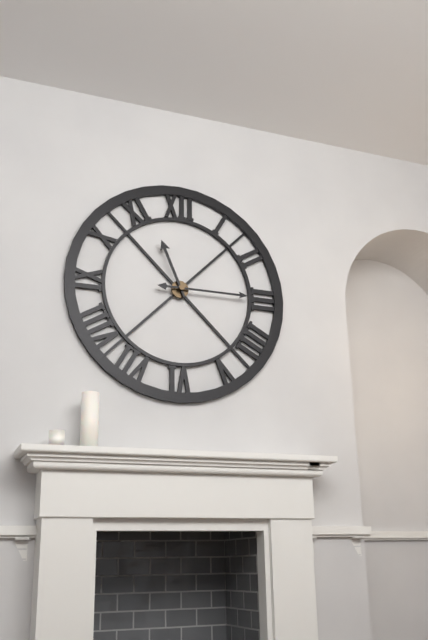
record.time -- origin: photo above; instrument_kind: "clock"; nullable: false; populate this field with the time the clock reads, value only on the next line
11:15
